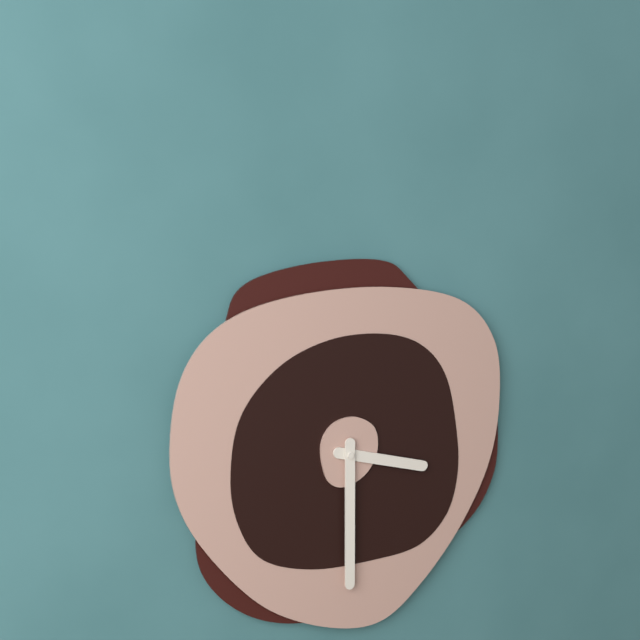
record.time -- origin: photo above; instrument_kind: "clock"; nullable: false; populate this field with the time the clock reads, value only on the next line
3:30
